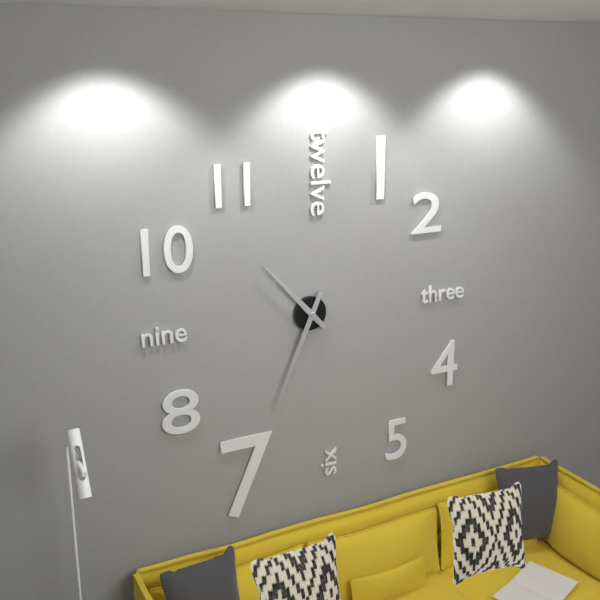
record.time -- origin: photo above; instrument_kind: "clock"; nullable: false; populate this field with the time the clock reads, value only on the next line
10:34
